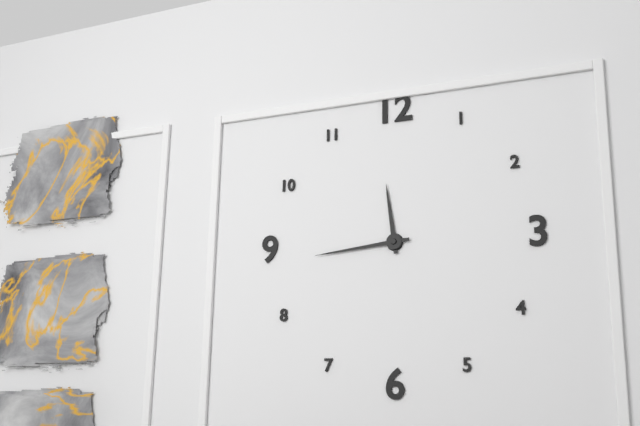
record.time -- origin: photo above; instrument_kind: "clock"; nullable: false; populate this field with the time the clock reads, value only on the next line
11:44
